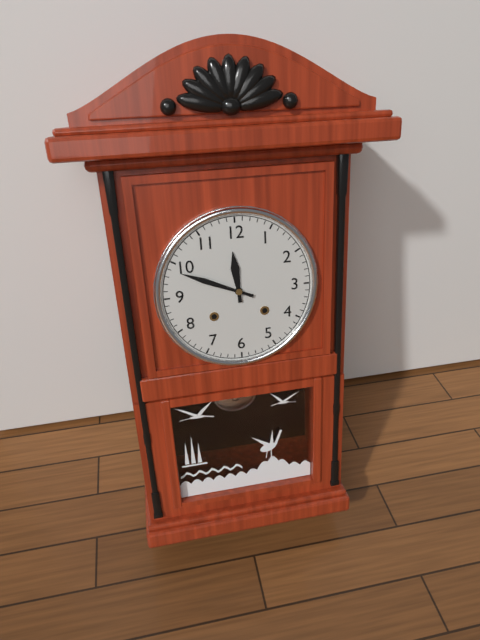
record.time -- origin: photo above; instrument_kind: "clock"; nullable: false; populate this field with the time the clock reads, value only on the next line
11:49
